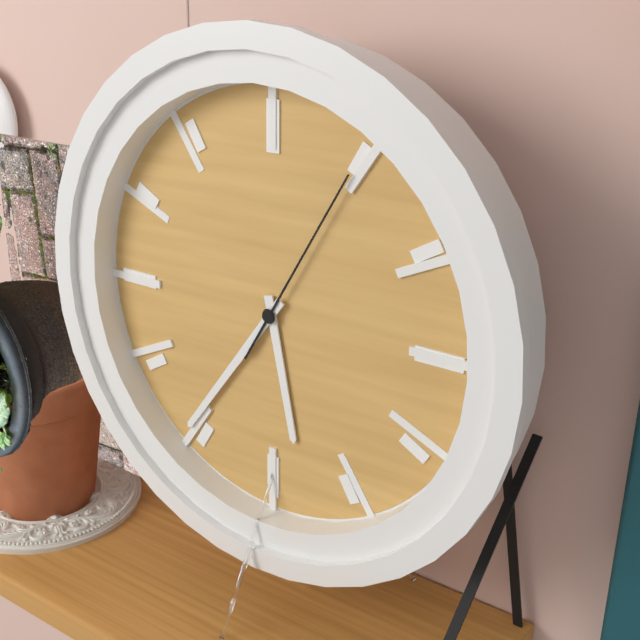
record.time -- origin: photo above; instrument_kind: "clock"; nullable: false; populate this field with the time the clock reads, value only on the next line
5:36:05
